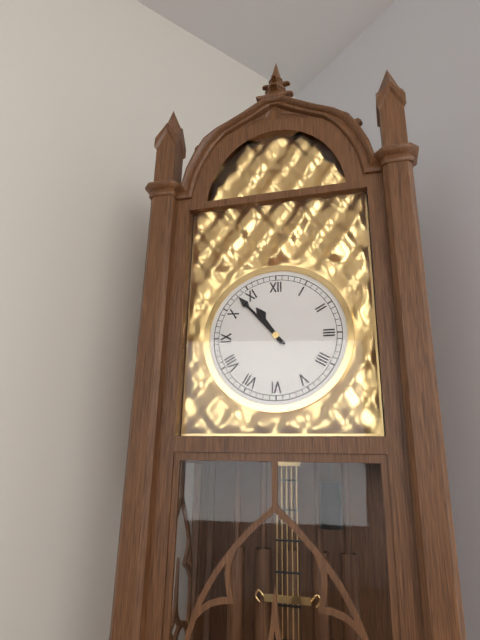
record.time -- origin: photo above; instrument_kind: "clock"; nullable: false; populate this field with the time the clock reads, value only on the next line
10:53
